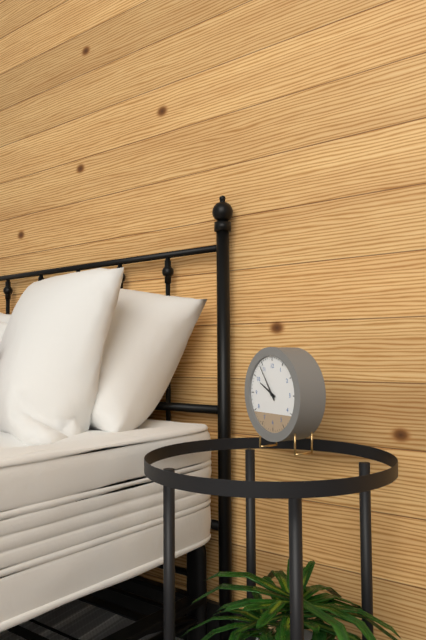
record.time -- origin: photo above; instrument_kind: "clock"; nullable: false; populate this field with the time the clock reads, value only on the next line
9:54
